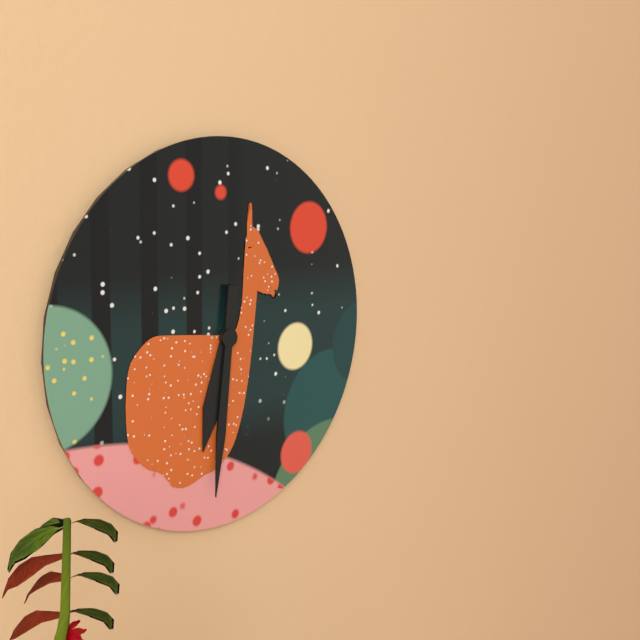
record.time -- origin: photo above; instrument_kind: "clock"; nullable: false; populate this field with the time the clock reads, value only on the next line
6:31
